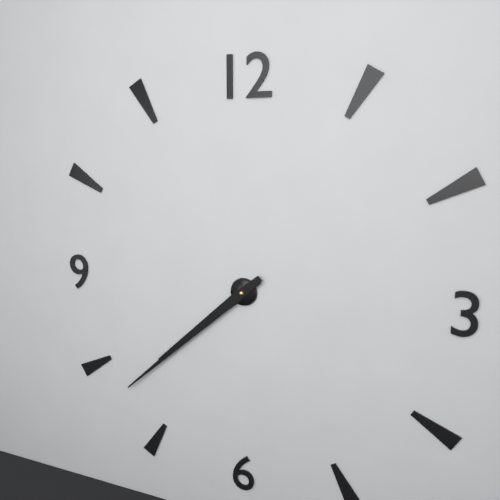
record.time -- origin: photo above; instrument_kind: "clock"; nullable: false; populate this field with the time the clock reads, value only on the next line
7:38
